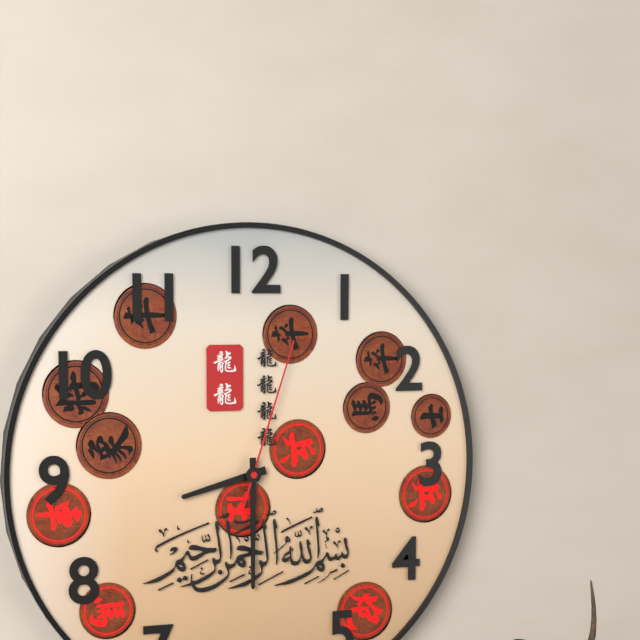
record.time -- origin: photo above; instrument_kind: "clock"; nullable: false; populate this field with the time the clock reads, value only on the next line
8:30:03
